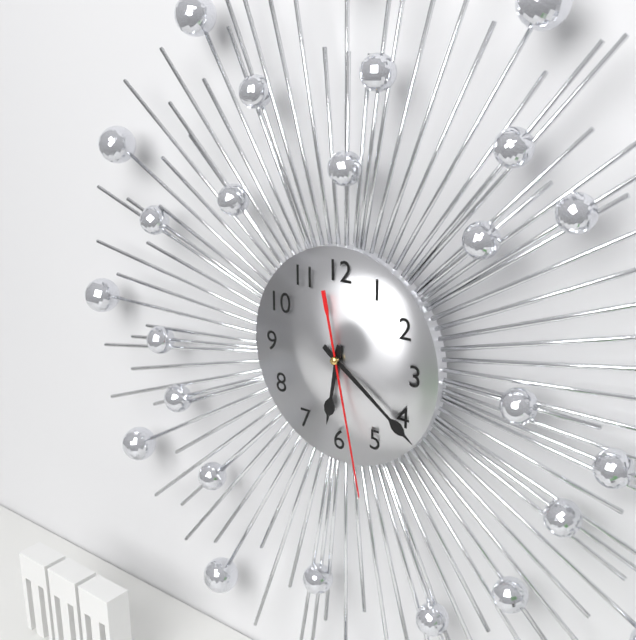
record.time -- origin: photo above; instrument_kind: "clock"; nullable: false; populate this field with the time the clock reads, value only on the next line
6:21:28
